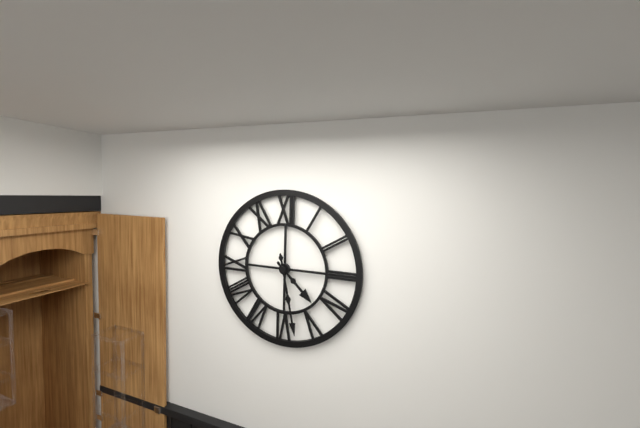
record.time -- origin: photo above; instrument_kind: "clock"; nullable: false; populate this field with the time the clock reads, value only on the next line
4:28
